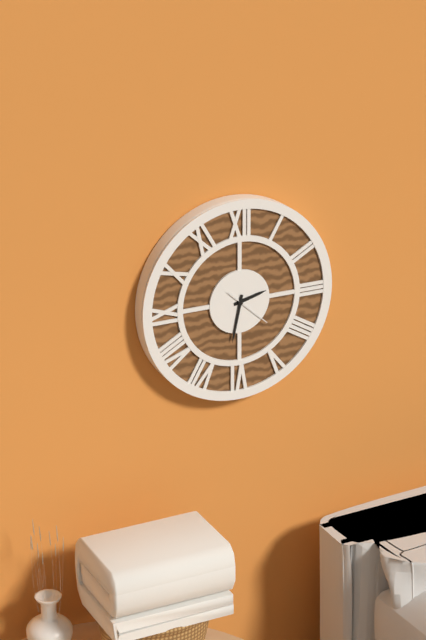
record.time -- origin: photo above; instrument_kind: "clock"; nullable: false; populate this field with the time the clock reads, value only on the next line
2:32:22
